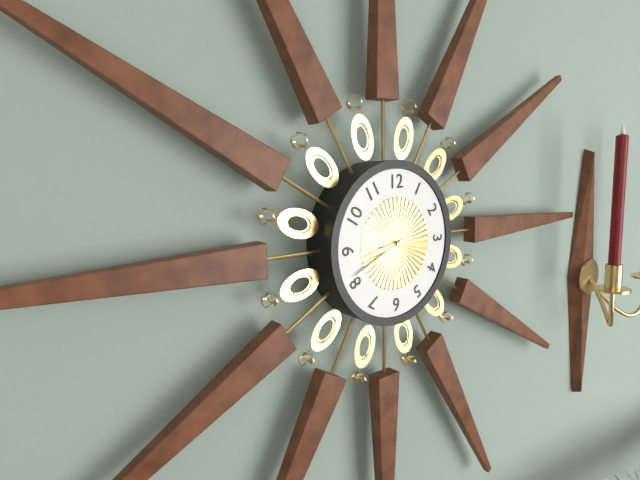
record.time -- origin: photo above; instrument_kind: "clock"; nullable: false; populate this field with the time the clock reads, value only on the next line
8:41
